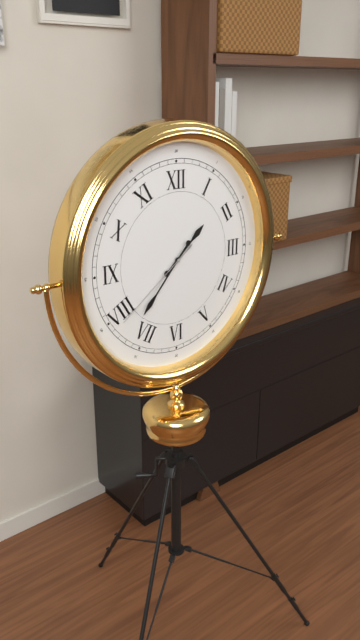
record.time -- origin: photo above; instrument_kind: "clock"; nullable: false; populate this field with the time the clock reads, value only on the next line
1:37:39
